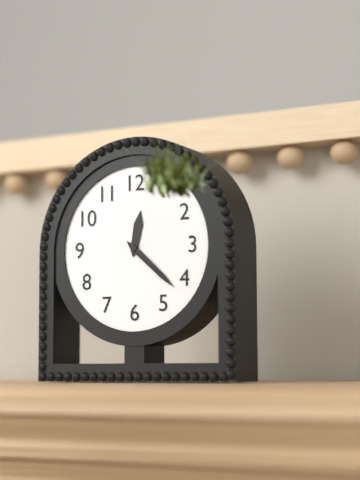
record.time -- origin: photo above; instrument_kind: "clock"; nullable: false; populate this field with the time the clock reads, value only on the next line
12:22
